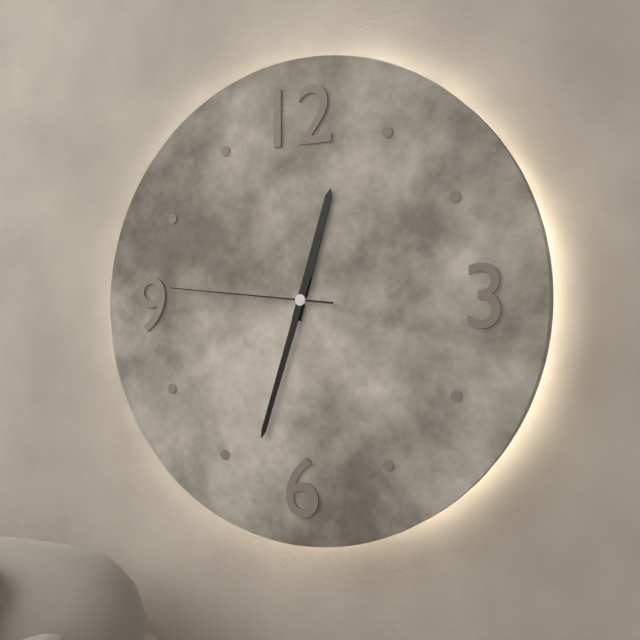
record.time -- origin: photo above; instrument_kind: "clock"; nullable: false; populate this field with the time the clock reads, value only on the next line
12:33:46
